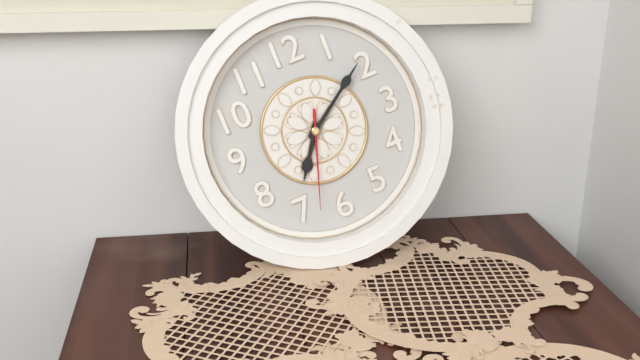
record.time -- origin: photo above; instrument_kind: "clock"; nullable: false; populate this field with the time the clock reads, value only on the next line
7:09:33
